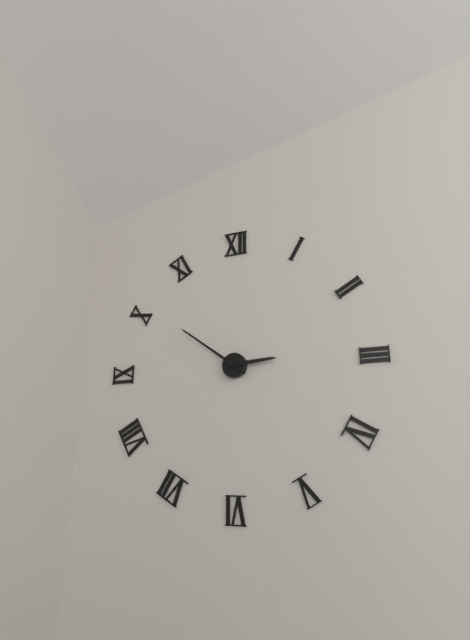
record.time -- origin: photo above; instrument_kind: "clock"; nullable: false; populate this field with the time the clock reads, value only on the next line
2:51
